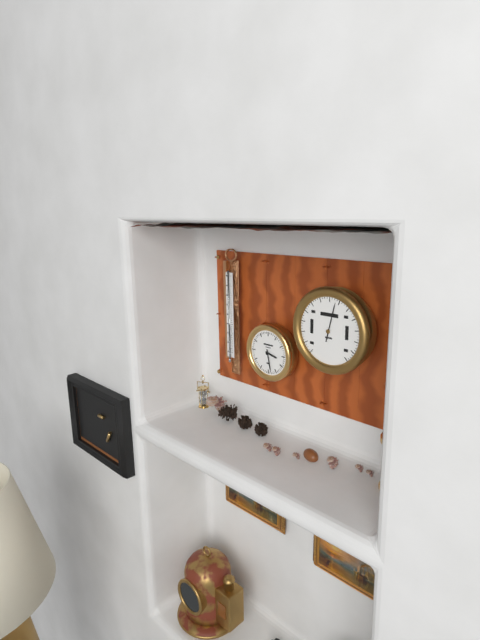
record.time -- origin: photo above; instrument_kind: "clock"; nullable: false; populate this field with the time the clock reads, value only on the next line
3:28
